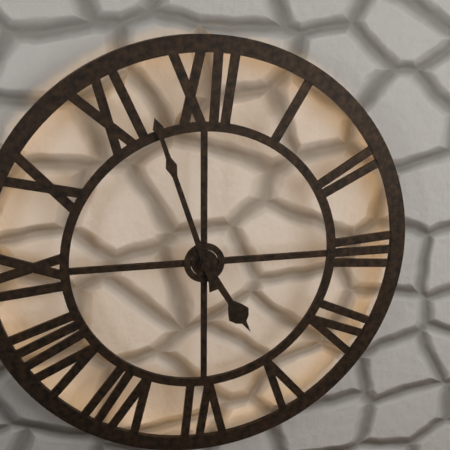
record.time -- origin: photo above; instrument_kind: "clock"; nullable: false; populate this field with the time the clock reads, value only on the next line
4:57
